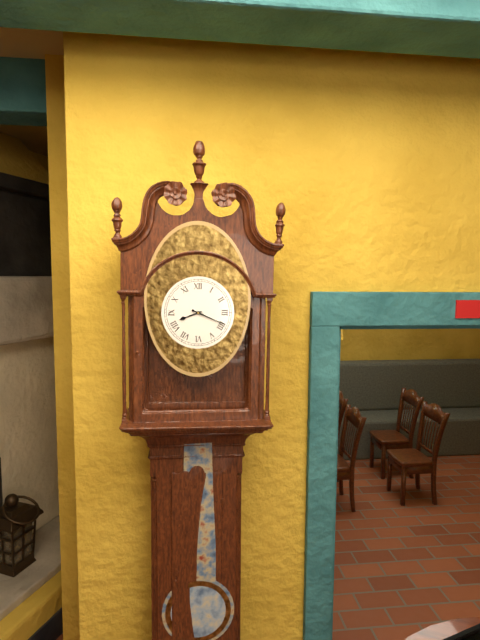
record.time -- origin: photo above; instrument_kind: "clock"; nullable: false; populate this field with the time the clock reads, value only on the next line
8:19
